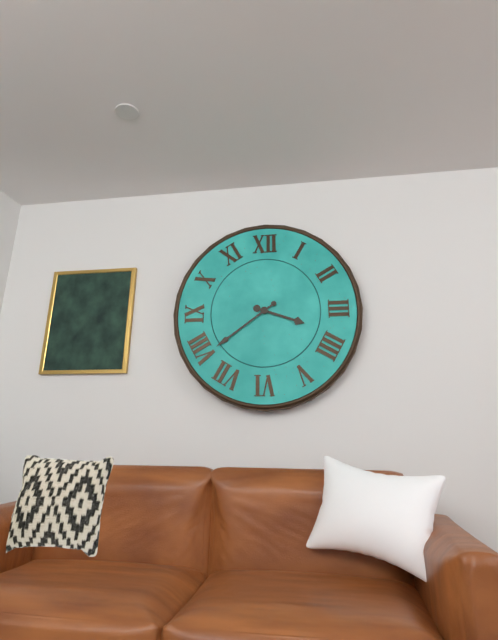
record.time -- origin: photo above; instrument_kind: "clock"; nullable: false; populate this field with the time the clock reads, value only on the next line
3:39
